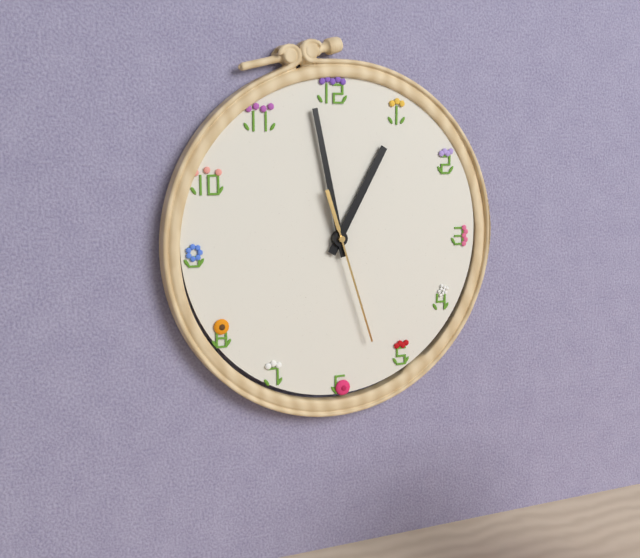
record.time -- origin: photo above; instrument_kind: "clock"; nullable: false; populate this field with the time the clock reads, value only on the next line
12:58:27
